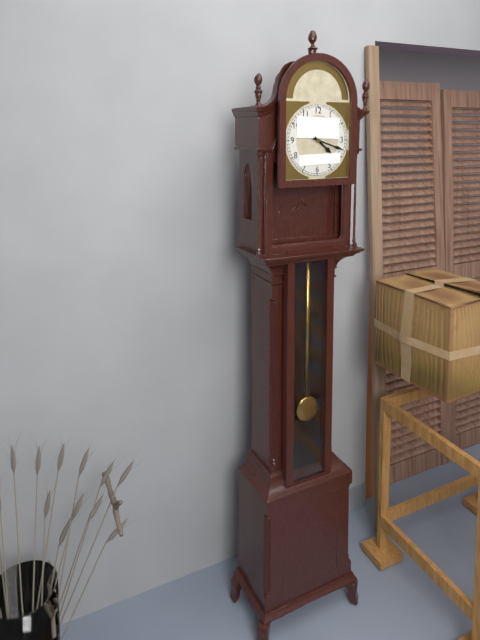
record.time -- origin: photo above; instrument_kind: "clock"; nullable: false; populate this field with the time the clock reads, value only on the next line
4:18
